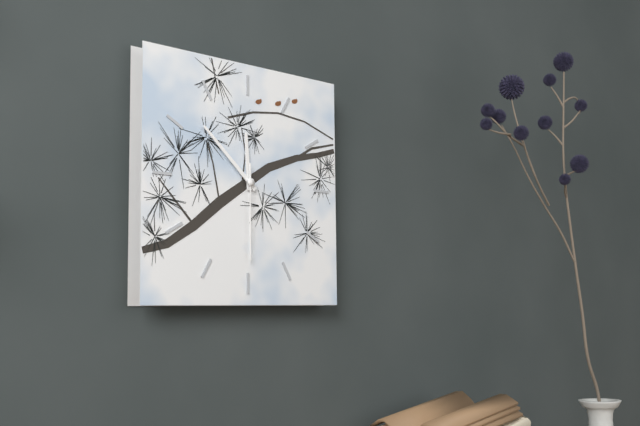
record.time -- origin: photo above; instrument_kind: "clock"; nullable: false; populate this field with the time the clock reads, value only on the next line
11:52:30
